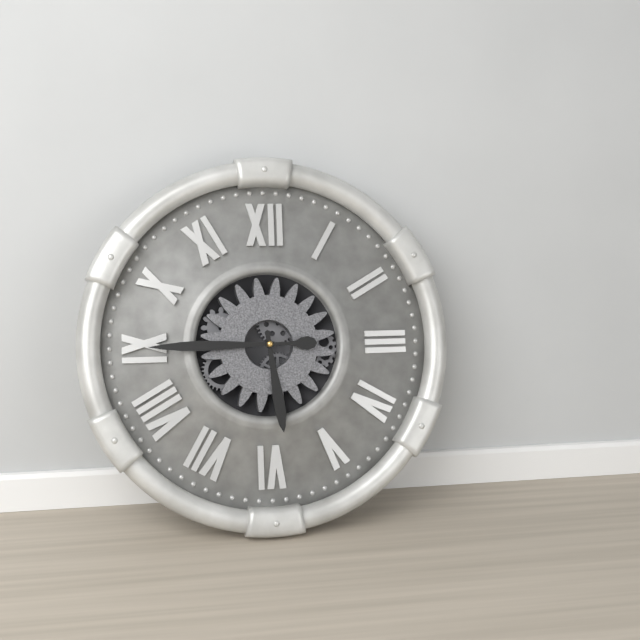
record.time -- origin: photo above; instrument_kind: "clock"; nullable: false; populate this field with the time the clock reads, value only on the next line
5:45
